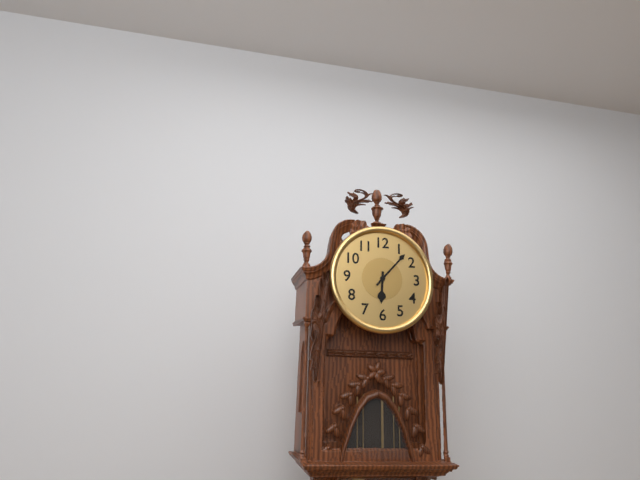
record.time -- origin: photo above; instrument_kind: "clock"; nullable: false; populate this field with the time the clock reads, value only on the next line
6:07
